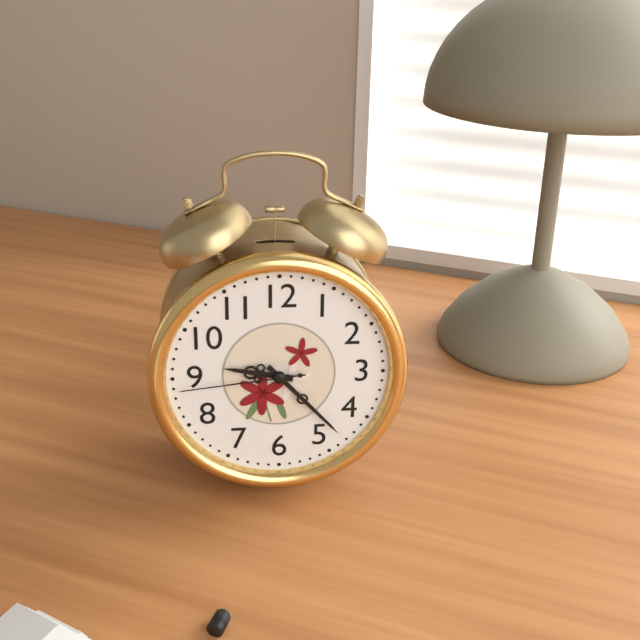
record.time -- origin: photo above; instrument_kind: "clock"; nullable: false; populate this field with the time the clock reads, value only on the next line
9:23:44
